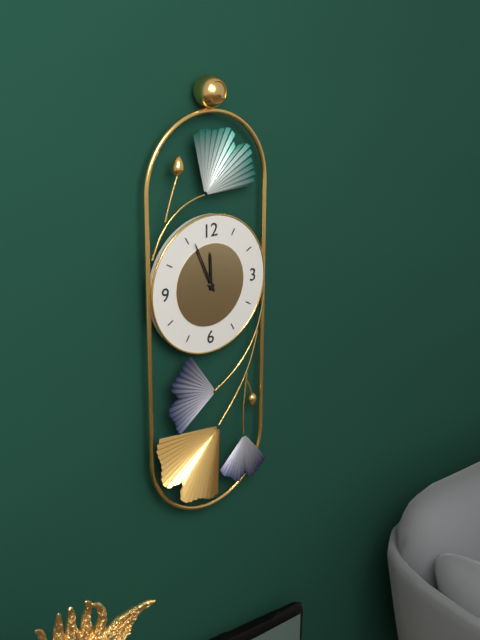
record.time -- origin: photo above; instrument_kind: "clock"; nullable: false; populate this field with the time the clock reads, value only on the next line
11:56
